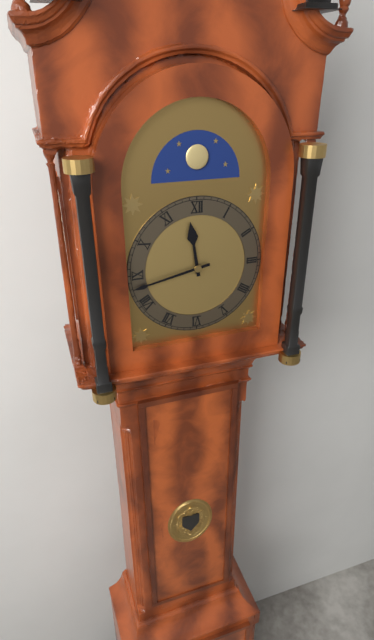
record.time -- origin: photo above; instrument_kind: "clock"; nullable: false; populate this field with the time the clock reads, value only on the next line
11:43
